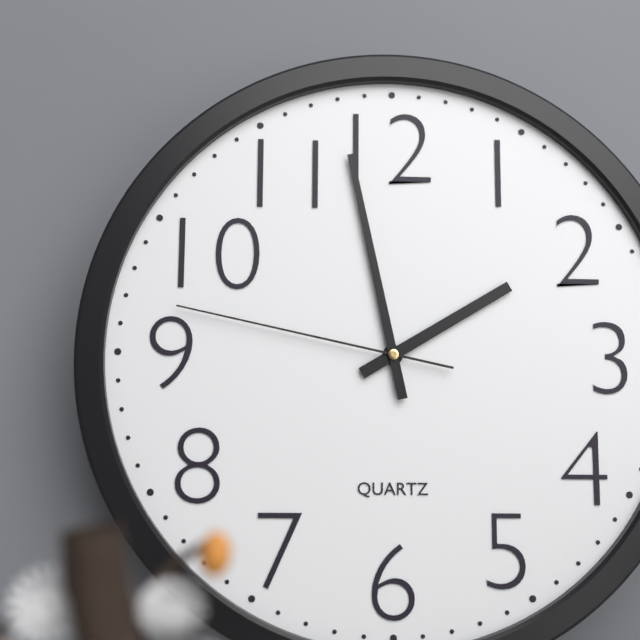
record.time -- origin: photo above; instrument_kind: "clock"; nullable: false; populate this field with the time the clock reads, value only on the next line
1:58:47
